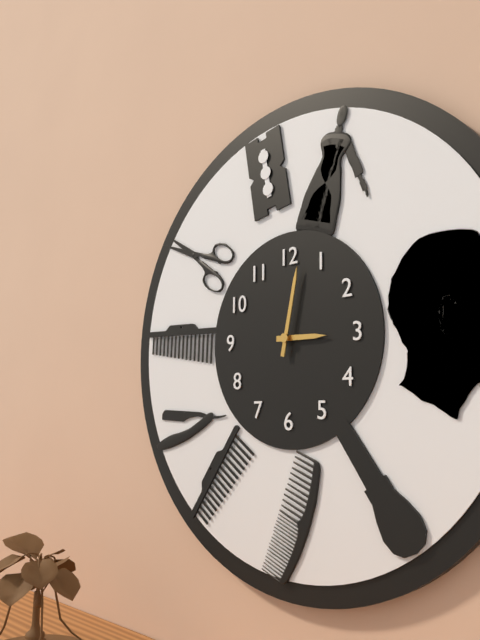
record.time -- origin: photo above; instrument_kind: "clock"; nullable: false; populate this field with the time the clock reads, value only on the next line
3:02
